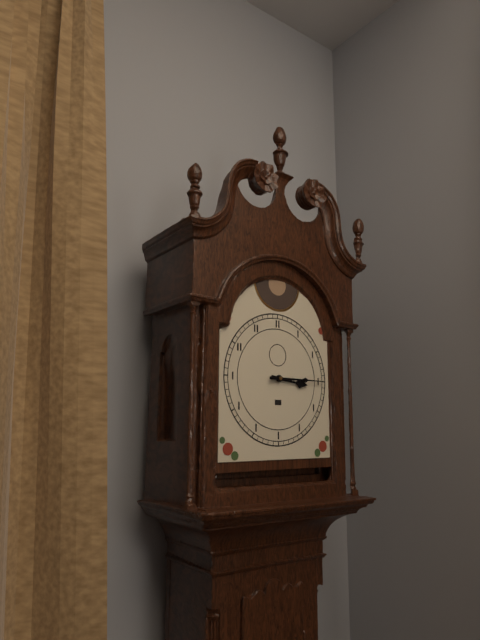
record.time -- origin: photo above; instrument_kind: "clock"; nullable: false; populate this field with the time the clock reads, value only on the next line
3:15
